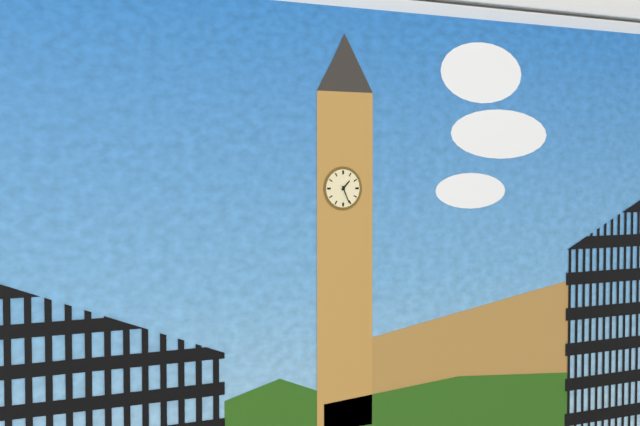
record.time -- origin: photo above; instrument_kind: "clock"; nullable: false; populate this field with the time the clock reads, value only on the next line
1:26
